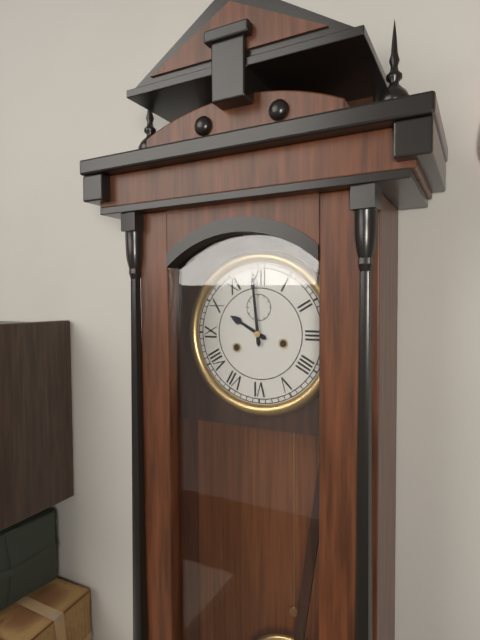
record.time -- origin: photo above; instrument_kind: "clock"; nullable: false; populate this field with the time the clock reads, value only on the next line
9:59
